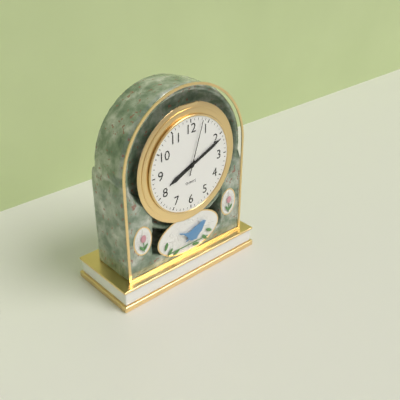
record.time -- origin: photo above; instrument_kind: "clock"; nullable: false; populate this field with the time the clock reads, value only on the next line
8:11:03
